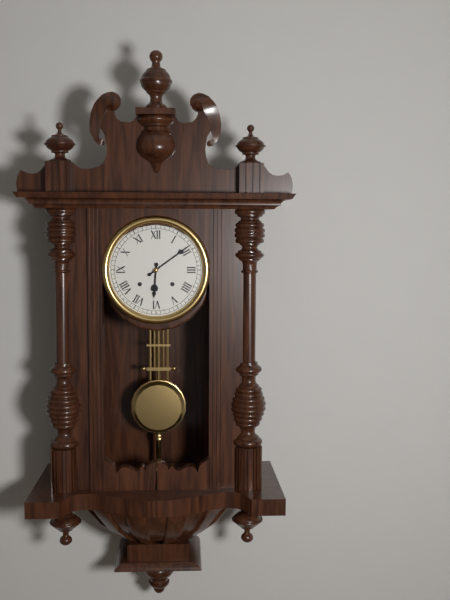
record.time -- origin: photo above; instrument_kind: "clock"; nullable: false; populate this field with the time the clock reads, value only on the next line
6:09
